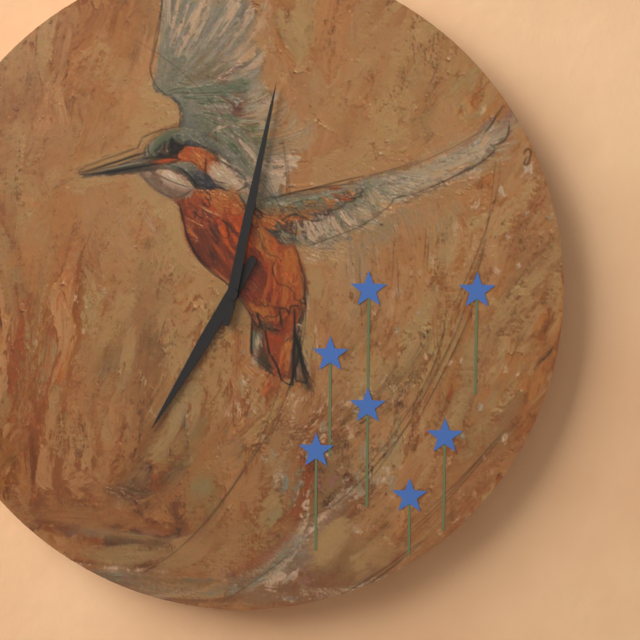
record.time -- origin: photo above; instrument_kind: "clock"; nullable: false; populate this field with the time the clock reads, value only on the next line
7:02
